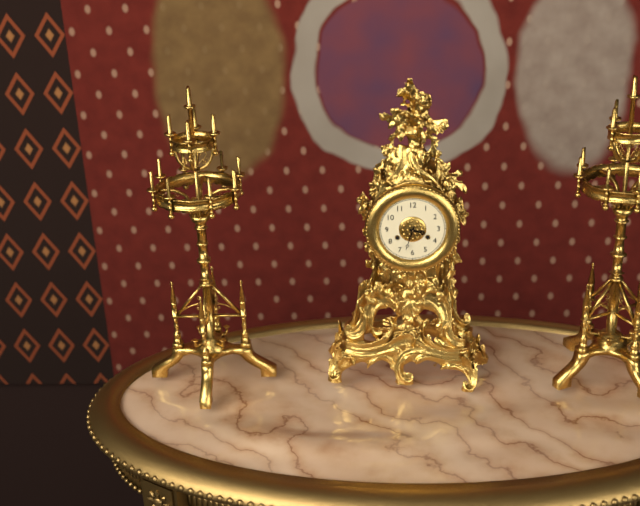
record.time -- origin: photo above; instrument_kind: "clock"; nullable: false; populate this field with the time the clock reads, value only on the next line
3:33
